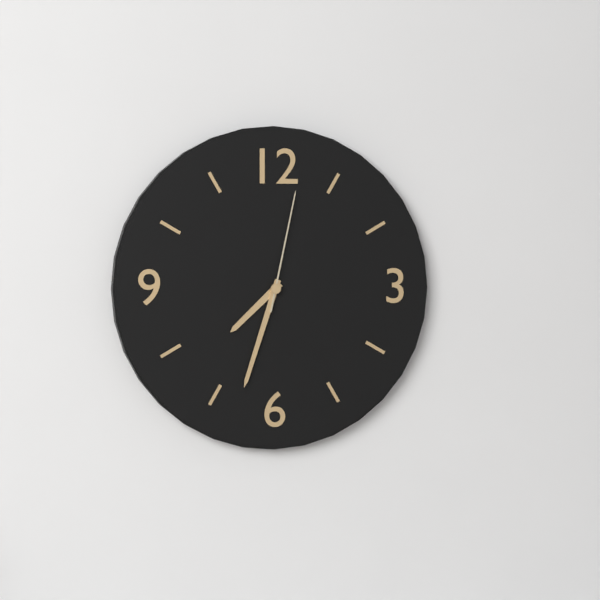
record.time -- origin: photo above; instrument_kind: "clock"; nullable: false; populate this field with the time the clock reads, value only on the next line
7:33:02
